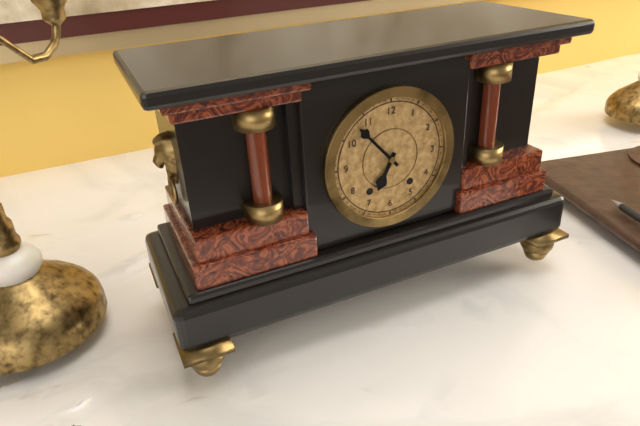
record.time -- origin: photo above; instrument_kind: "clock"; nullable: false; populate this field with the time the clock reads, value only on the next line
6:53
